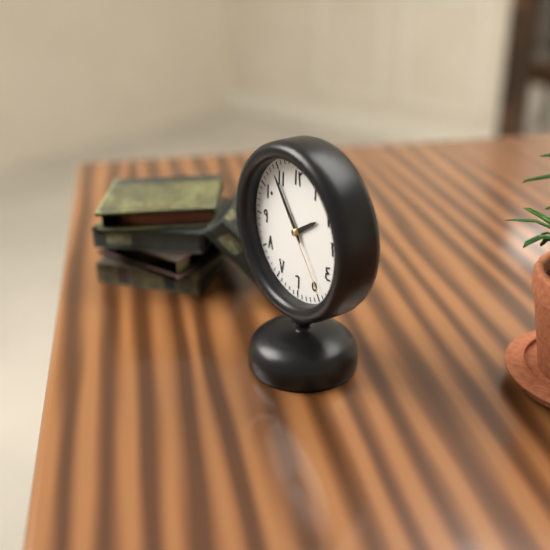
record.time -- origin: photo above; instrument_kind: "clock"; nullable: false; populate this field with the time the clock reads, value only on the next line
1:54:24
